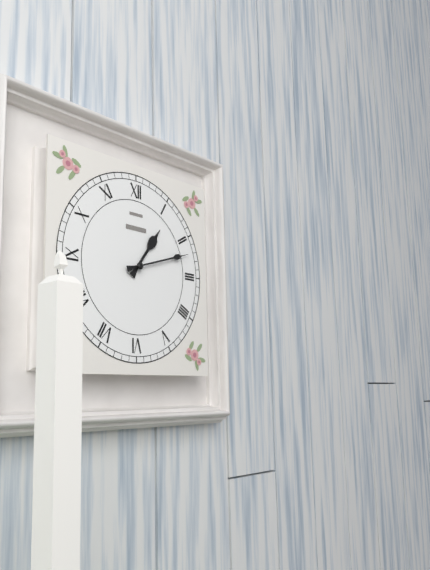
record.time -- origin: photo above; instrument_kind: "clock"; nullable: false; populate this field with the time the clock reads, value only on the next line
1:12
